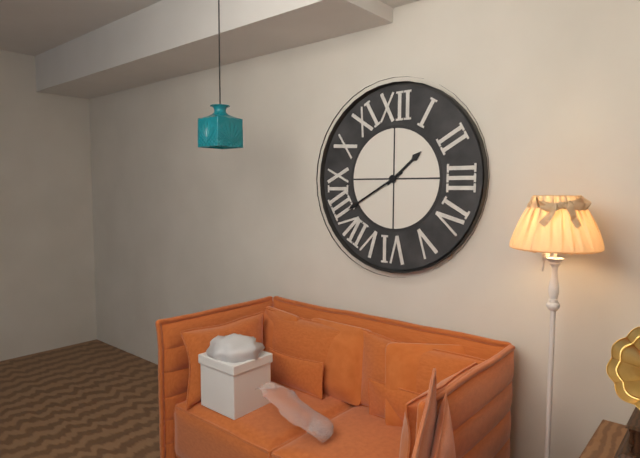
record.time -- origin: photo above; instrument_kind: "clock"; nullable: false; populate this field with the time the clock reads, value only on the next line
1:40
